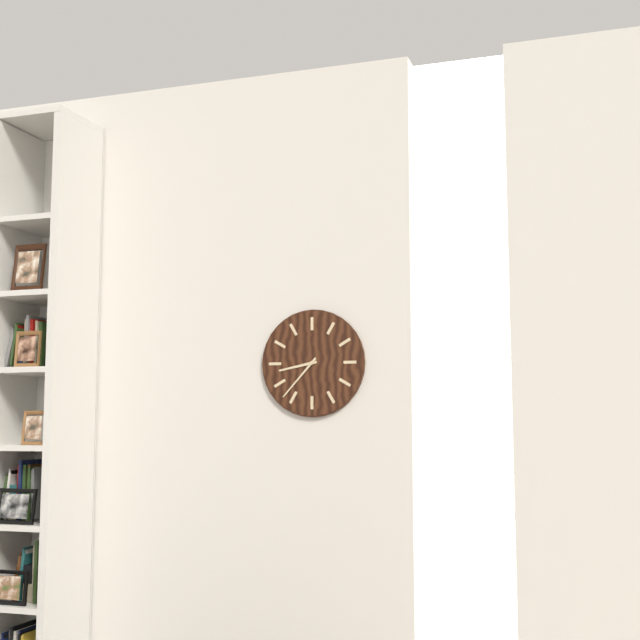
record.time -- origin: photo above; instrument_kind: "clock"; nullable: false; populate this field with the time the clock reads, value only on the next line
8:37
